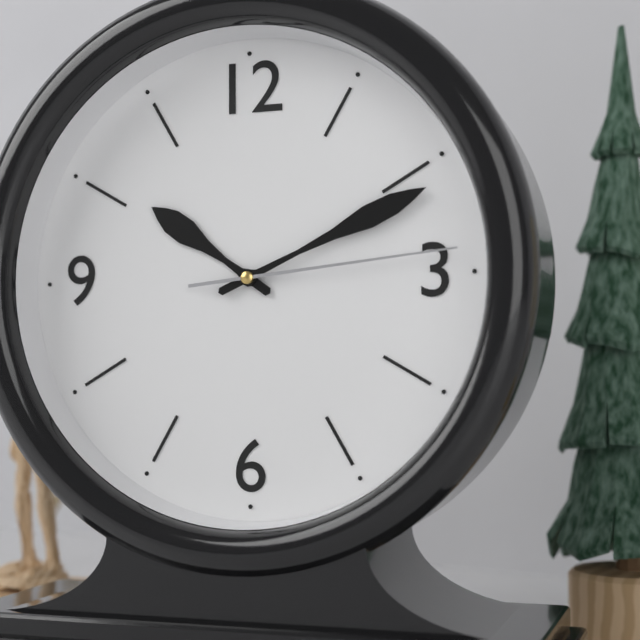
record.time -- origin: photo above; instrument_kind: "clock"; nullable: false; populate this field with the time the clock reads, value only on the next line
10:11:14
